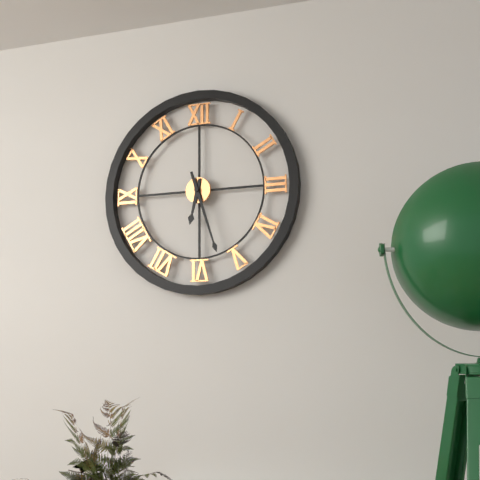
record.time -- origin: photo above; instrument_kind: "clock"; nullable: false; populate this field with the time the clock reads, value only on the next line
6:27
